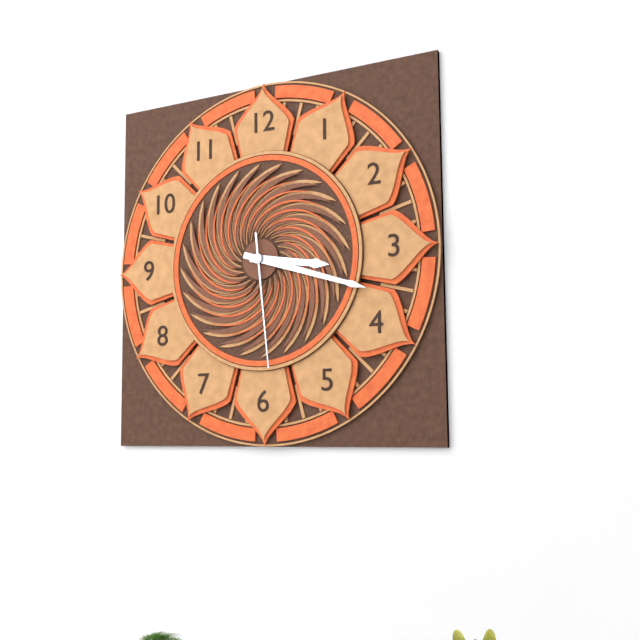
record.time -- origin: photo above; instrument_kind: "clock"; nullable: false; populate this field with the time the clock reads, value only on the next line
3:18:29
